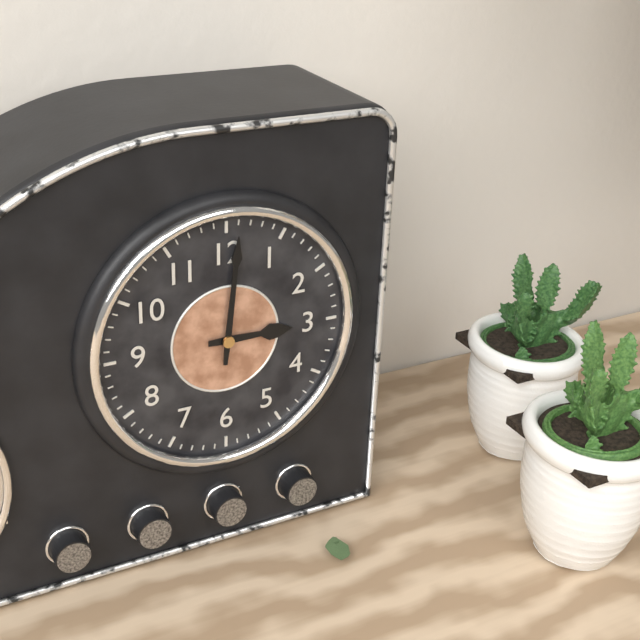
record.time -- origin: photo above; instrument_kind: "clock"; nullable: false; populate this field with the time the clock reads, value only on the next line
3:01
